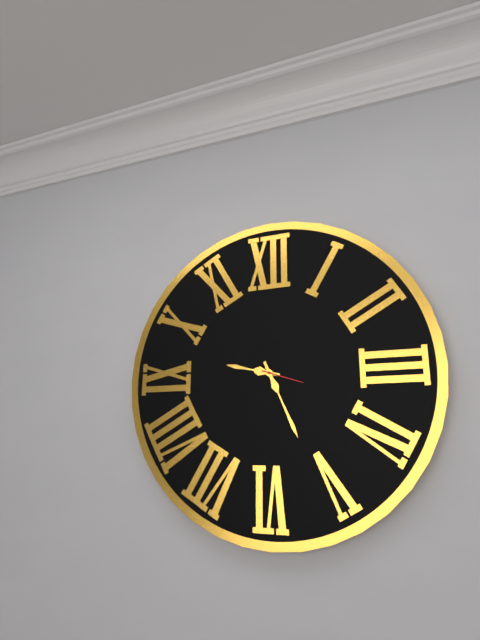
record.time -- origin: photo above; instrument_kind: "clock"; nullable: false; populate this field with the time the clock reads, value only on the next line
9:26
